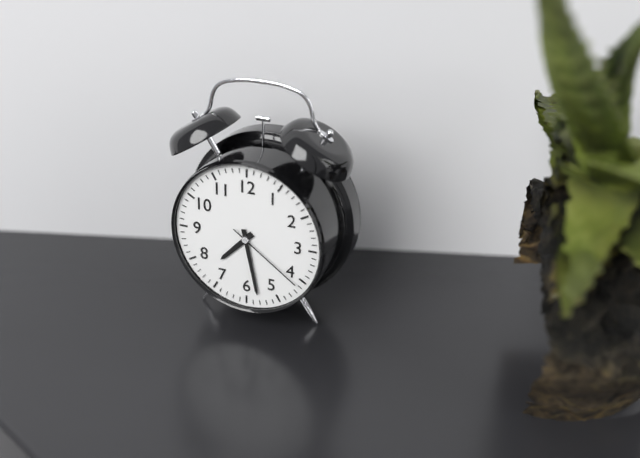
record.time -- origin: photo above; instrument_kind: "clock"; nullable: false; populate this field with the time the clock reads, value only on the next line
7:28:21
